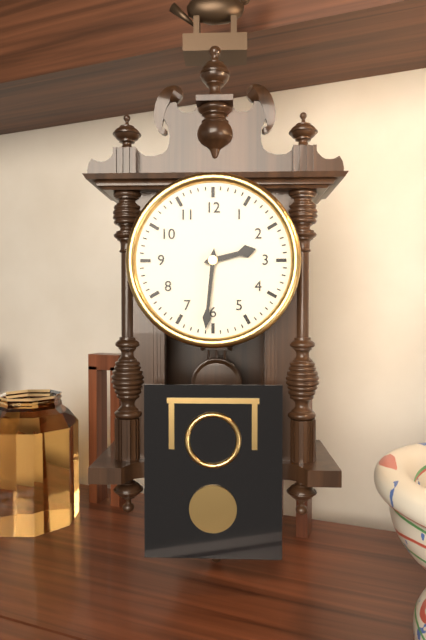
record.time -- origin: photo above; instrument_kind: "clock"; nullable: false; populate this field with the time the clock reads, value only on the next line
2:31
